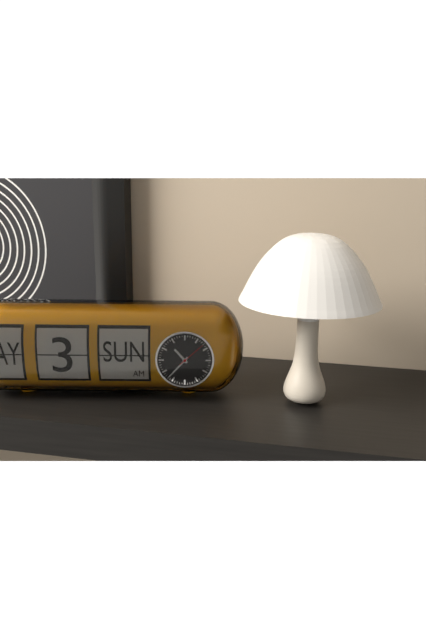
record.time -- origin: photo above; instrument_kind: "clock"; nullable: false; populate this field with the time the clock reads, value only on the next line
10:37
